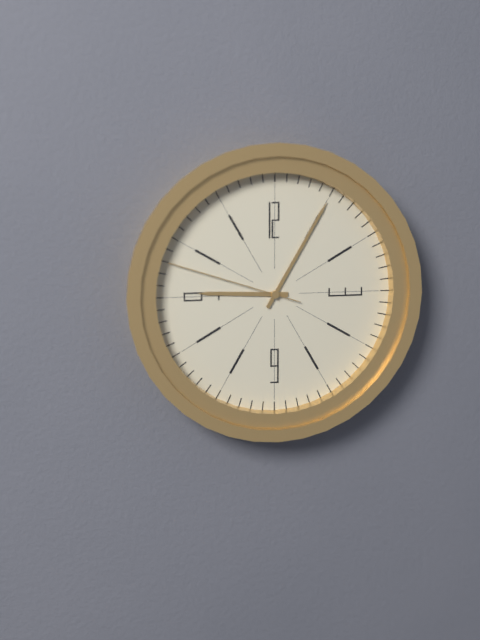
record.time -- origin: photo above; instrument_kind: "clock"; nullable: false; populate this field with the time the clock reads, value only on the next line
9:05:48
